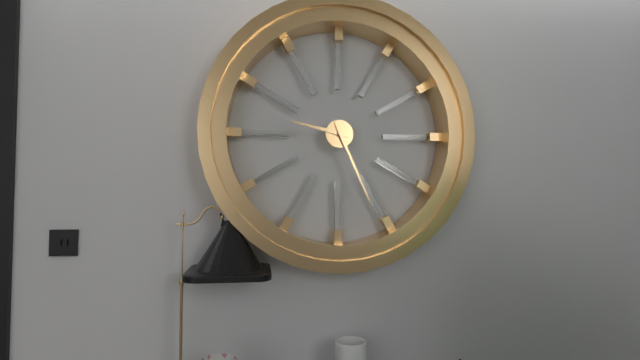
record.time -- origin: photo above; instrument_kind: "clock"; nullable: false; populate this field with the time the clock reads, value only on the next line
9:26
